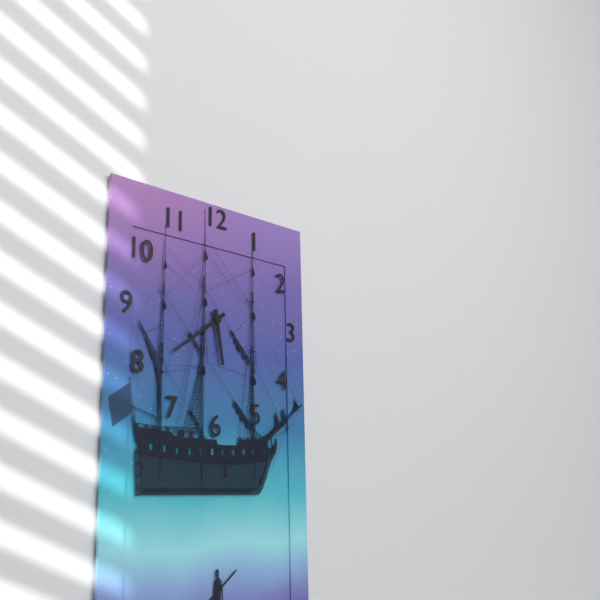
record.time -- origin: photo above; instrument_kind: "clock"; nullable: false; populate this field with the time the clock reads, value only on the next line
5:39
